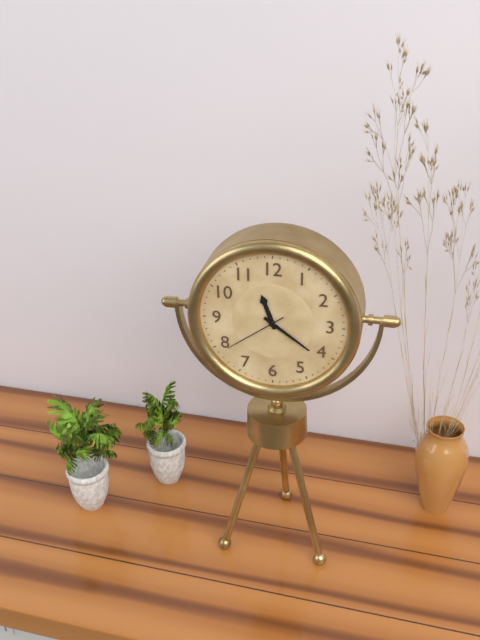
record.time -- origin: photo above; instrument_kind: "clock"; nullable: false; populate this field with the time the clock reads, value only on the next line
11:21:39
